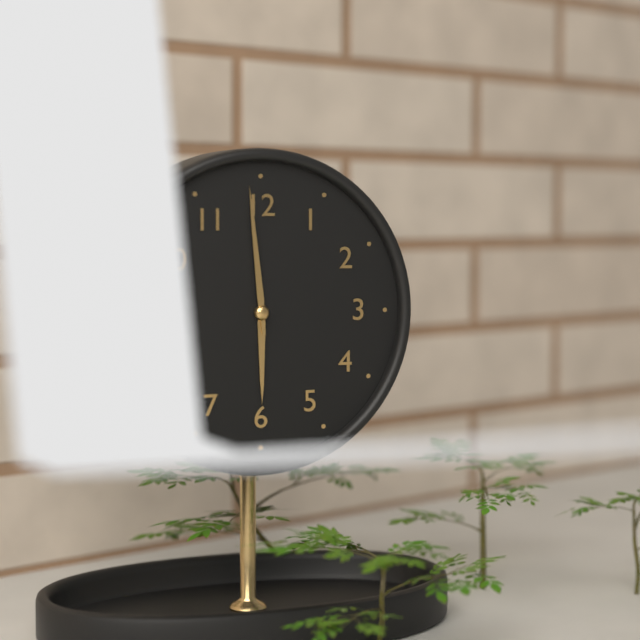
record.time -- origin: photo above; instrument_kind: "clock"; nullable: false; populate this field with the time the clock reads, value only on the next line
5:59
